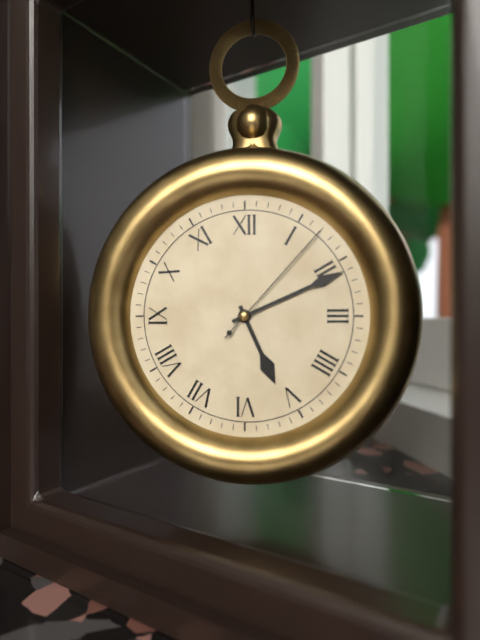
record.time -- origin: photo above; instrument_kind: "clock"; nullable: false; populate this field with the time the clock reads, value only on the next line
5:11:07
